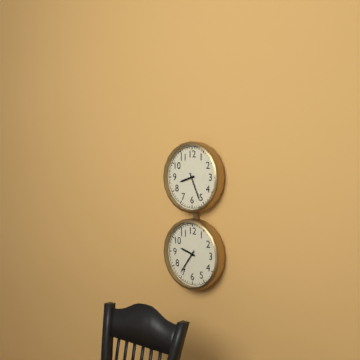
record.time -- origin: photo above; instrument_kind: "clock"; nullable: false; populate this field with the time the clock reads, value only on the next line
8:26
